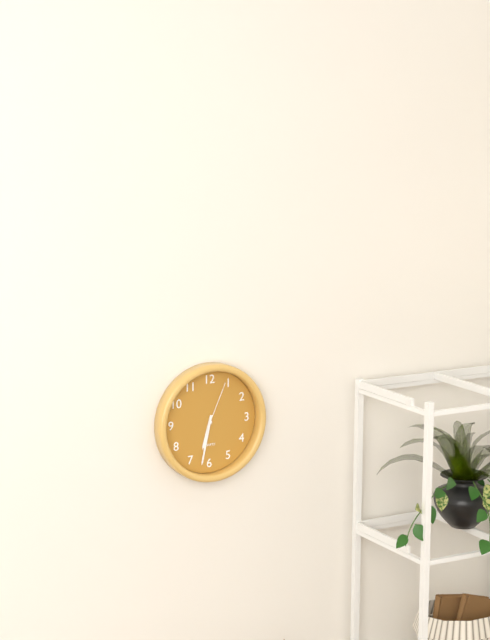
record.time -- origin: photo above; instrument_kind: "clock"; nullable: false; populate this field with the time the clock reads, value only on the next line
6:32:04
